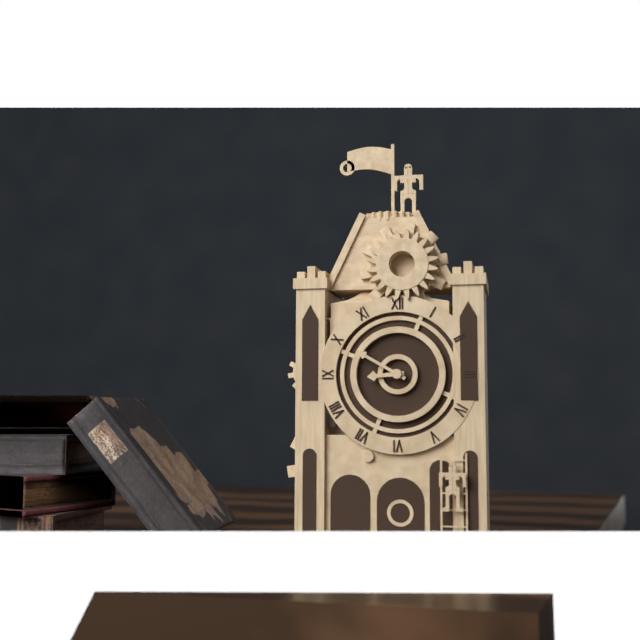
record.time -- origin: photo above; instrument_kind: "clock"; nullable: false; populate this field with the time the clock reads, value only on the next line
8:50
